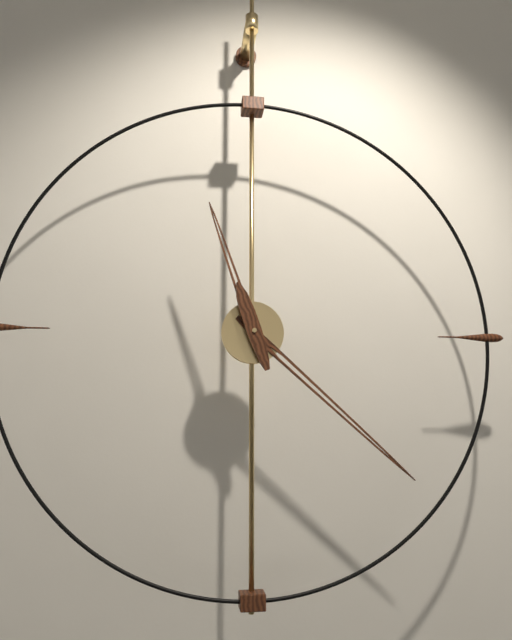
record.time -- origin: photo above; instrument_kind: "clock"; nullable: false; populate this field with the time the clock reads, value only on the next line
11:22
